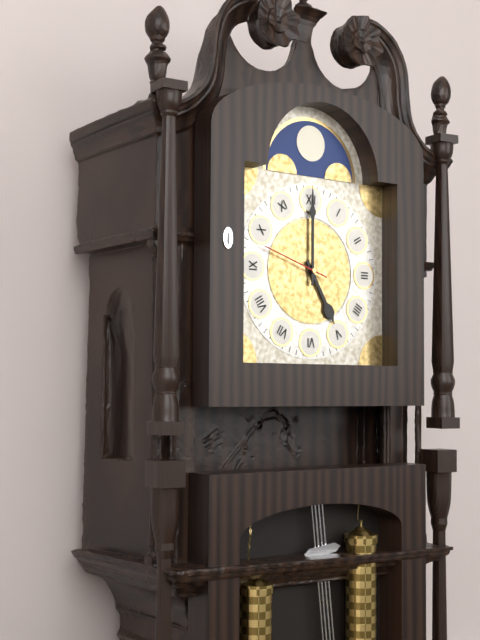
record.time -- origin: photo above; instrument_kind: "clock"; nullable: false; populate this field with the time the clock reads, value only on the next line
5:00:48
